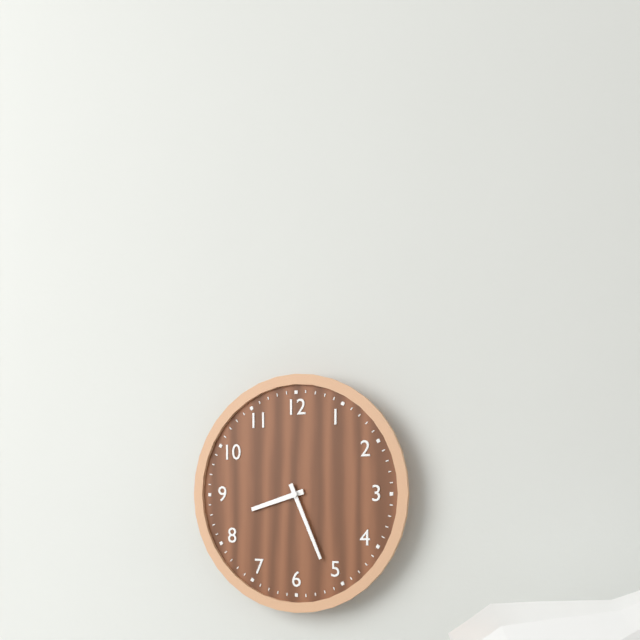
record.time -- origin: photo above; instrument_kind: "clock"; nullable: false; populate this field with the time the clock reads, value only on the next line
8:26
